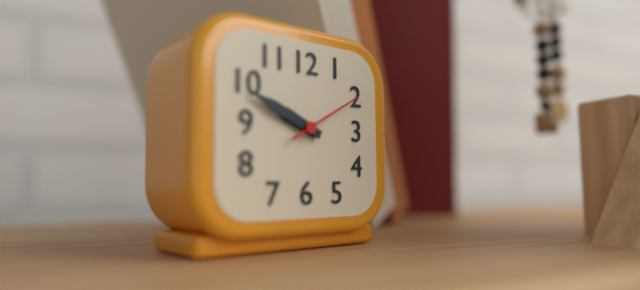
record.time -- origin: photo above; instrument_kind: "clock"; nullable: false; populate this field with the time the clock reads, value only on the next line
9:49:10
